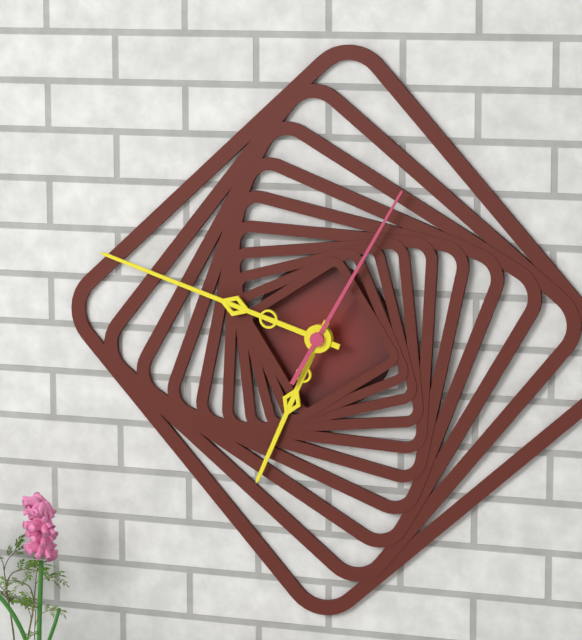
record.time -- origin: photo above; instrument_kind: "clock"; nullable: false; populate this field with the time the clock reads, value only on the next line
6:48:05
